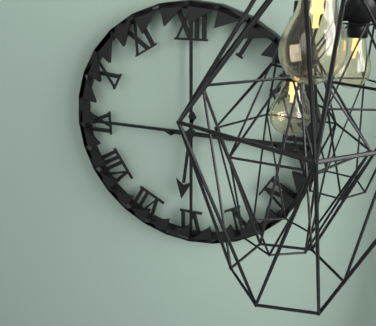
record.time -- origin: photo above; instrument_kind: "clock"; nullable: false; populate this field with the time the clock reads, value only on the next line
6:15
